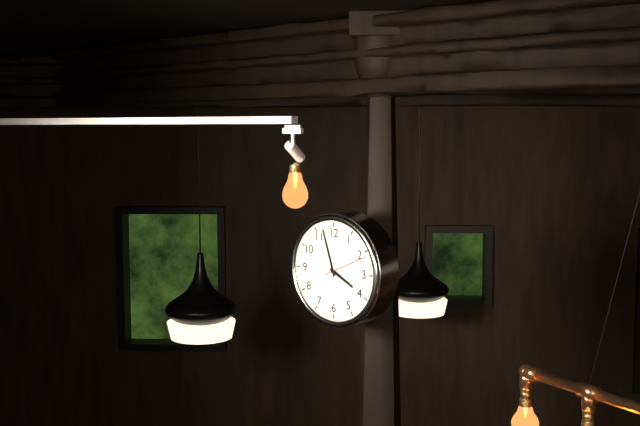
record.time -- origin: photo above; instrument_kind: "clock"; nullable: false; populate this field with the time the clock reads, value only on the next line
3:57
